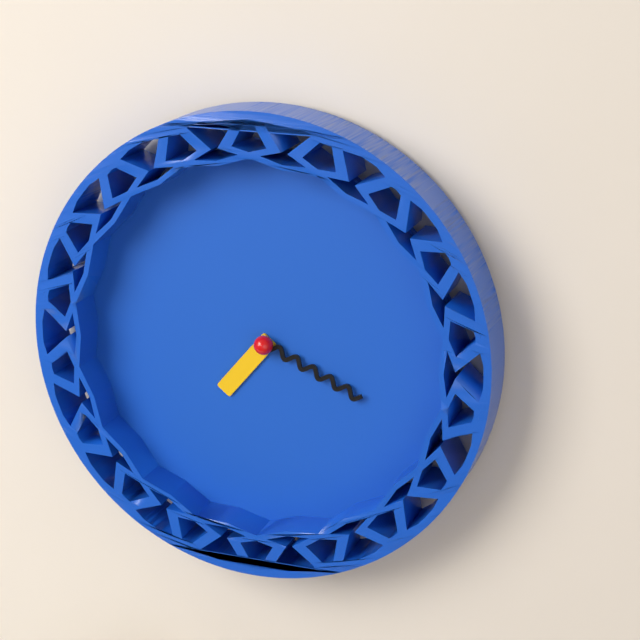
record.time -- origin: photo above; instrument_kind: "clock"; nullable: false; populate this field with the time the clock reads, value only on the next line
7:19
